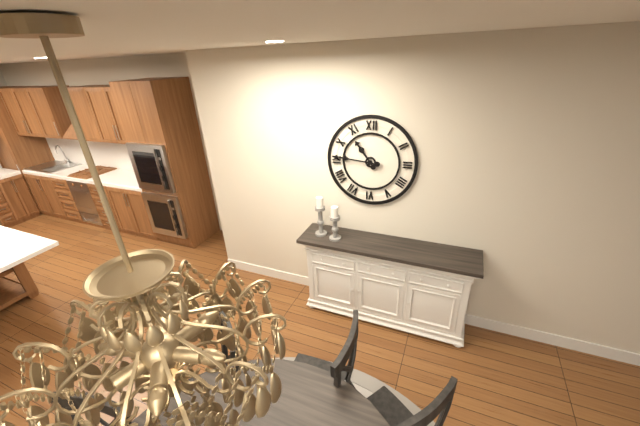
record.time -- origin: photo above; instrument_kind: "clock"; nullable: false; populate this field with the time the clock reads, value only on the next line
10:46
